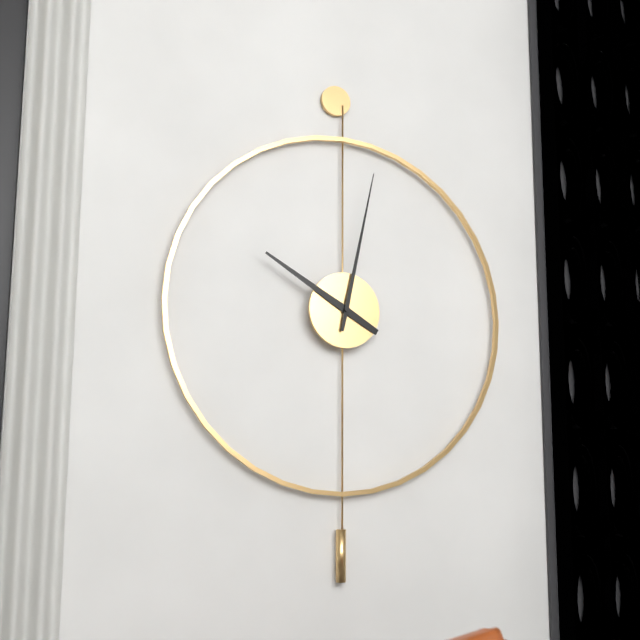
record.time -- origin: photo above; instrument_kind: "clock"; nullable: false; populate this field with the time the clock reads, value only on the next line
10:02
